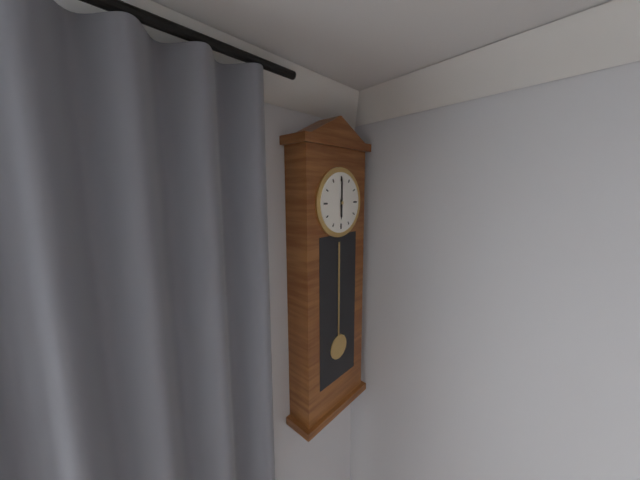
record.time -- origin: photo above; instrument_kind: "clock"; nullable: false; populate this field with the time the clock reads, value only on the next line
6:00
